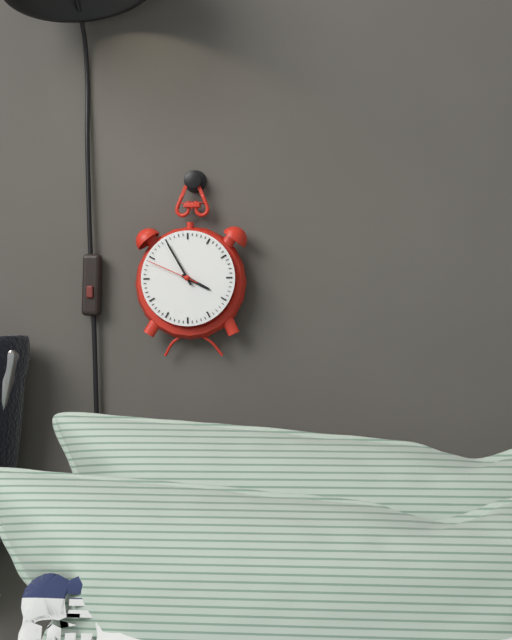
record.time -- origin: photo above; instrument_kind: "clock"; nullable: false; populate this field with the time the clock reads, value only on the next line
3:55:49
